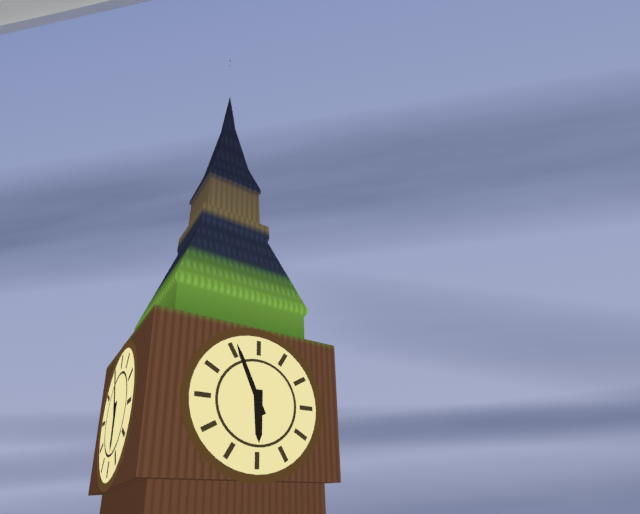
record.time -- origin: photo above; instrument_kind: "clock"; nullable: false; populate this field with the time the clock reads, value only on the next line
5:56
